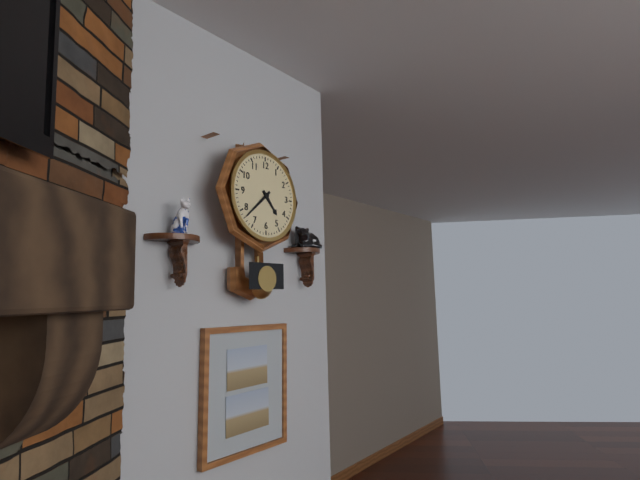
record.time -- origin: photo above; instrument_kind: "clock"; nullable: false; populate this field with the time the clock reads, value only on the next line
4:38
